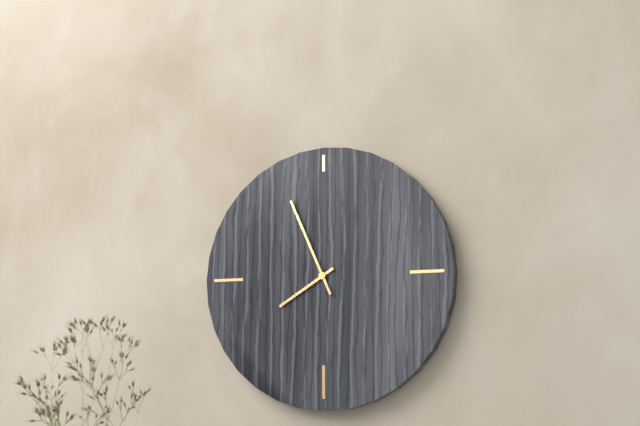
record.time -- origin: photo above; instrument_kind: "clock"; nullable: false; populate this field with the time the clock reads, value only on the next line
7:56
